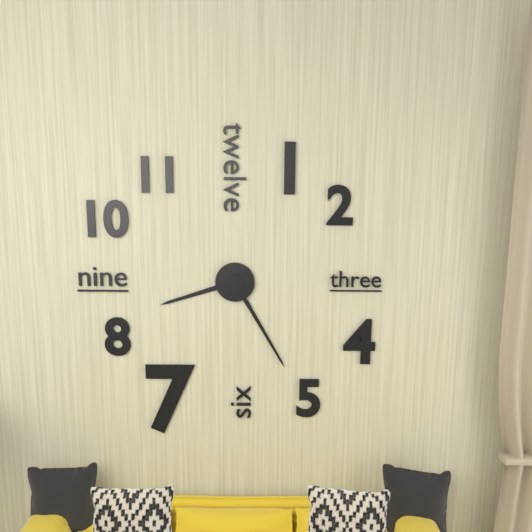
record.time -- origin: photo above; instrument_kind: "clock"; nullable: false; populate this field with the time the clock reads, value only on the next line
8:25
